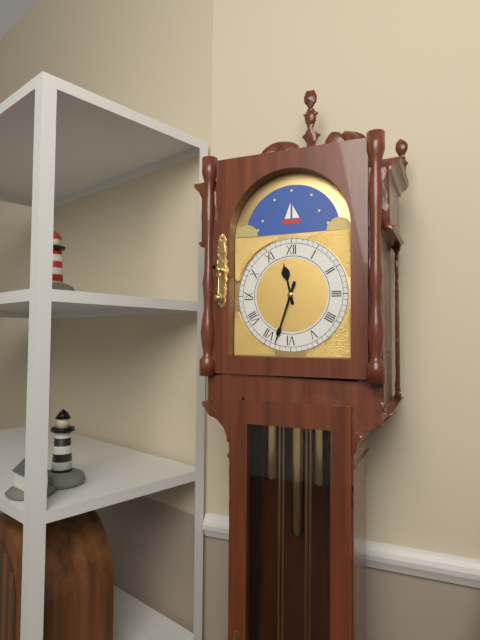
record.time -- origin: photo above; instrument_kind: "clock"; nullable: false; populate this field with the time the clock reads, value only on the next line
11:33
